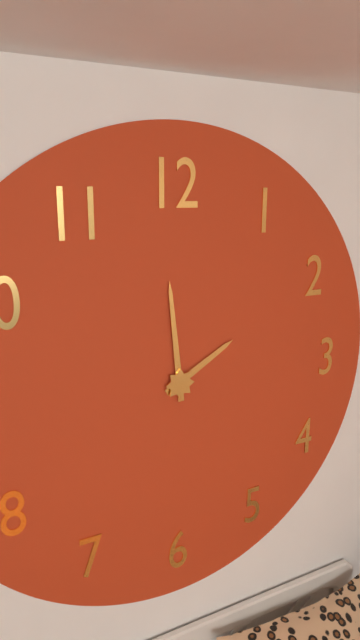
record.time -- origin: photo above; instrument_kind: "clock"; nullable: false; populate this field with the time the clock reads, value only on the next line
1:59
